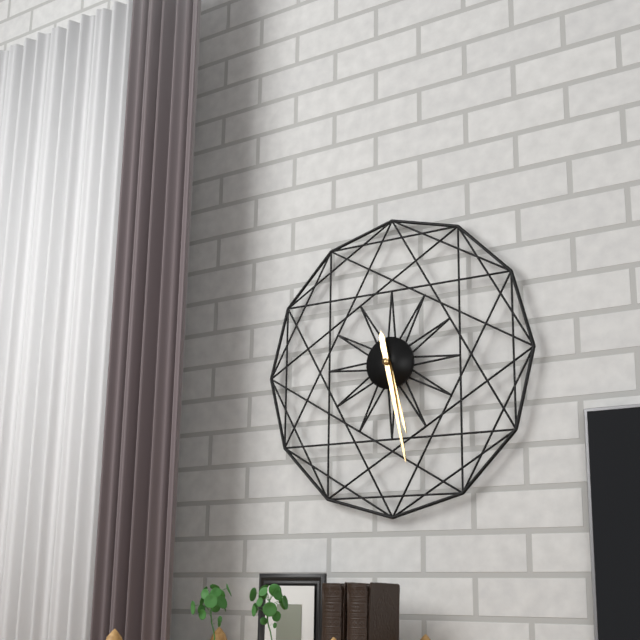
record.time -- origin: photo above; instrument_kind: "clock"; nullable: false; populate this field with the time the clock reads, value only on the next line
5:28
